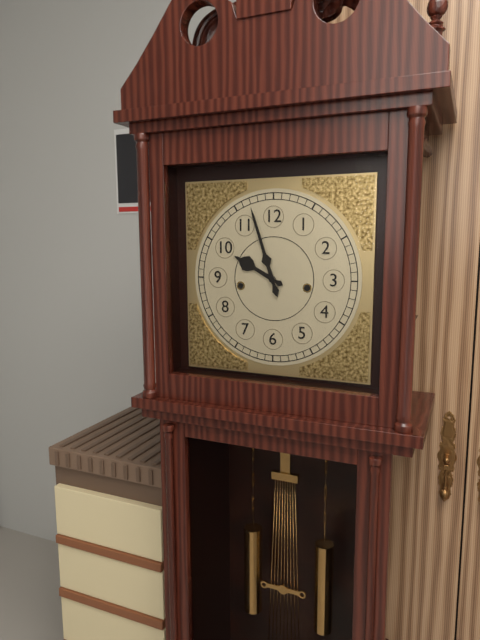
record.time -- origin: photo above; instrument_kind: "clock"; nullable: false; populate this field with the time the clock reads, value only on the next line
9:57
